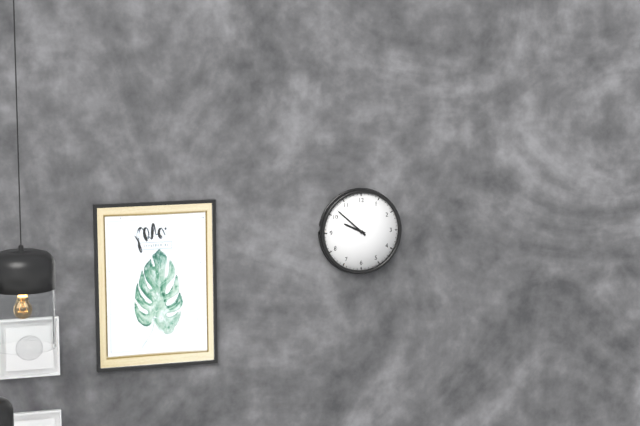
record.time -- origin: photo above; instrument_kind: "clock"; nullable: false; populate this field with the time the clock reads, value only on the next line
9:52
